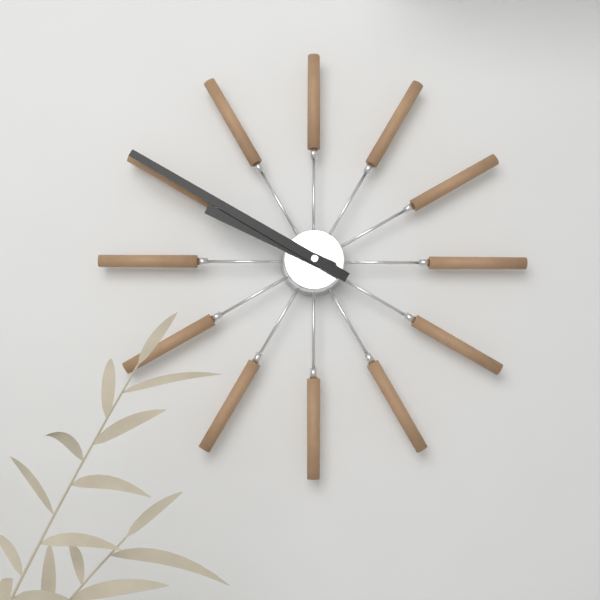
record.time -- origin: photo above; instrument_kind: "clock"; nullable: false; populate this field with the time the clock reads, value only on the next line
9:50
